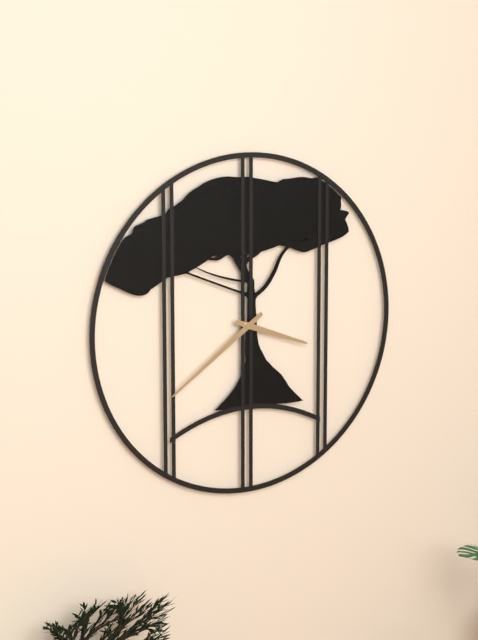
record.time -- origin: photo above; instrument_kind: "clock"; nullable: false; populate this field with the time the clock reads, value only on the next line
3:39
